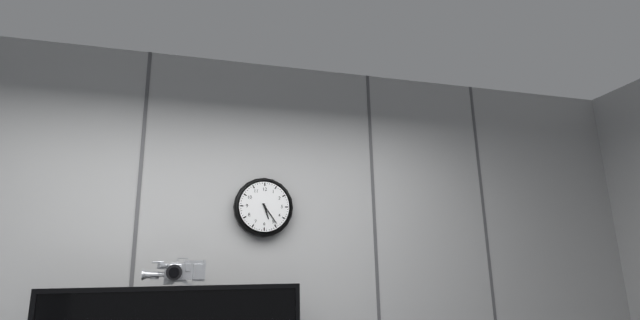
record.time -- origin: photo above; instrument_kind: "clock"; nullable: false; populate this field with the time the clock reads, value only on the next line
5:24
